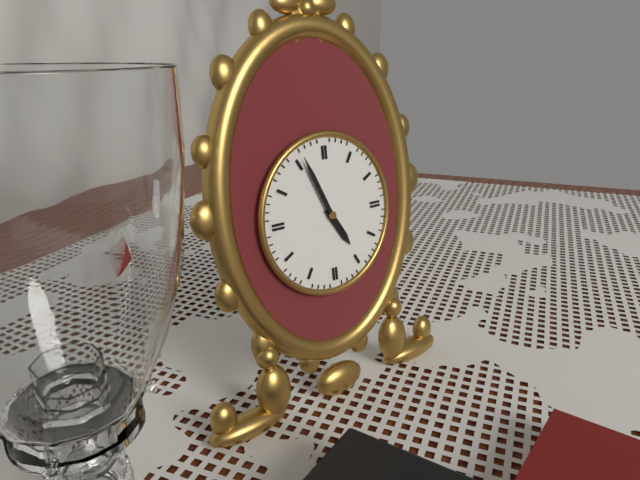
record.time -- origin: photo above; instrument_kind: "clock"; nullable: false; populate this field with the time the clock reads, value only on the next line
4:56
